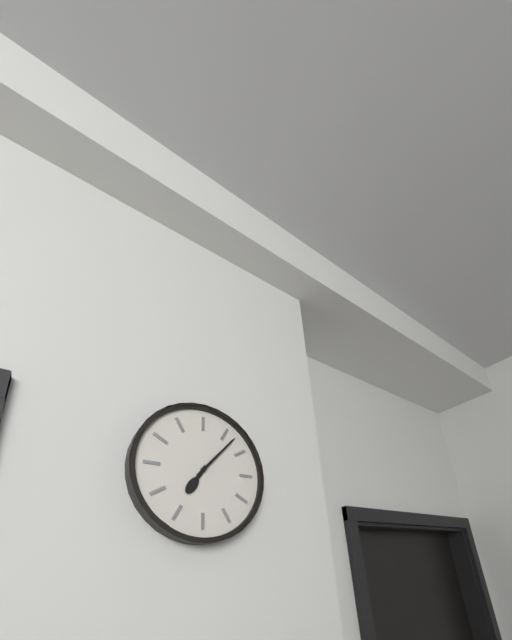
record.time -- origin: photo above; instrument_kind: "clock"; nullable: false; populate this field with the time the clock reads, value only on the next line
7:07
